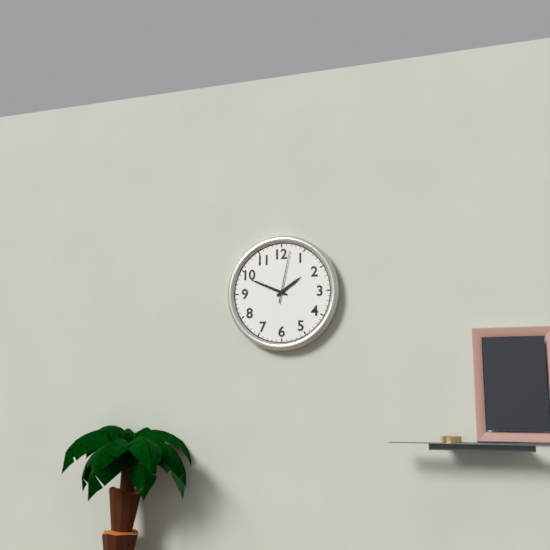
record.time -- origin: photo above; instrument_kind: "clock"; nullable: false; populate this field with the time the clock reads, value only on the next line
1:49:02
